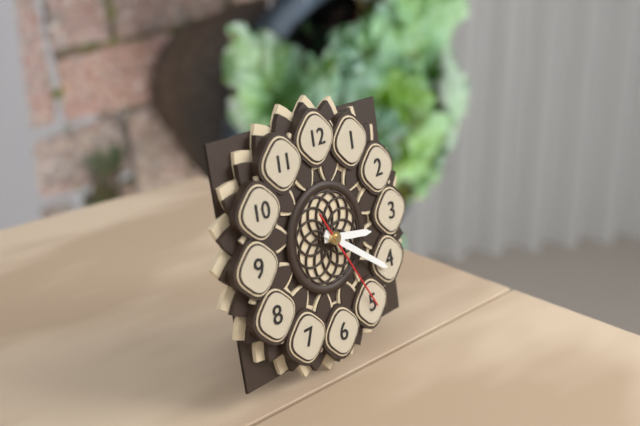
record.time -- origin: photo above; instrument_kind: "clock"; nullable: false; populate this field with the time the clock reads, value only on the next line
3:21:25
